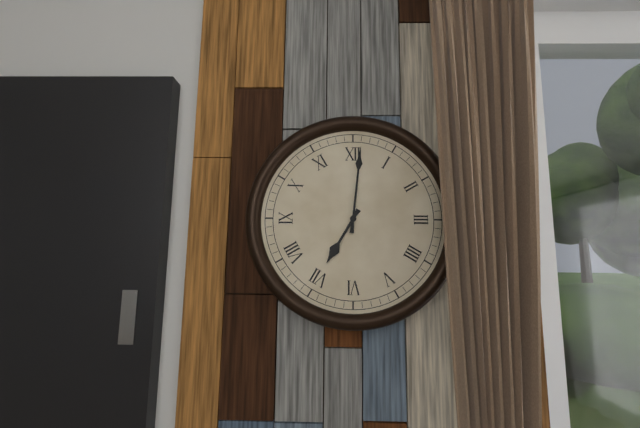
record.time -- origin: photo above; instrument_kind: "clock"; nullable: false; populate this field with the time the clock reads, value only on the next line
7:01
